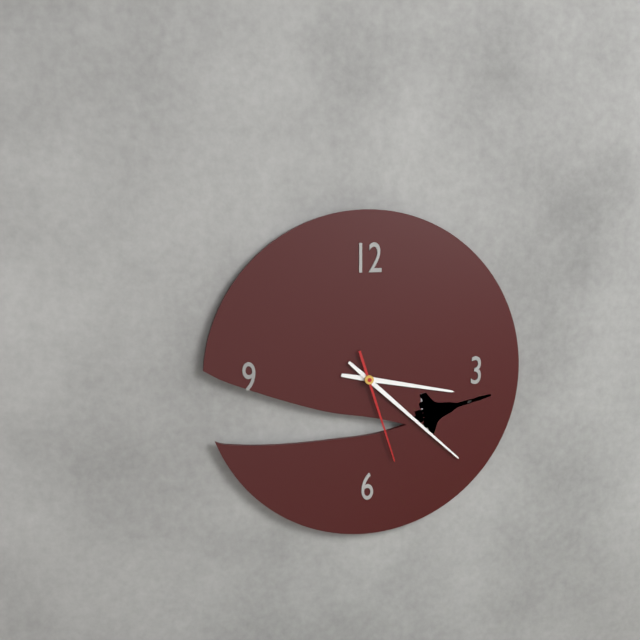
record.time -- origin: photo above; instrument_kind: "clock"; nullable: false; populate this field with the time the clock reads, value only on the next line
3:22:27
